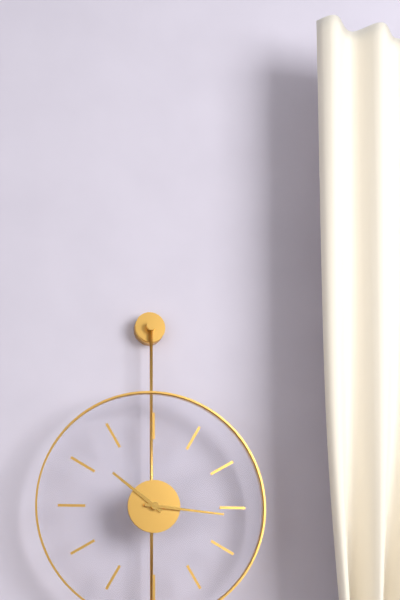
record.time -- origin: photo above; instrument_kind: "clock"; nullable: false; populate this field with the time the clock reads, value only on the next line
10:16
